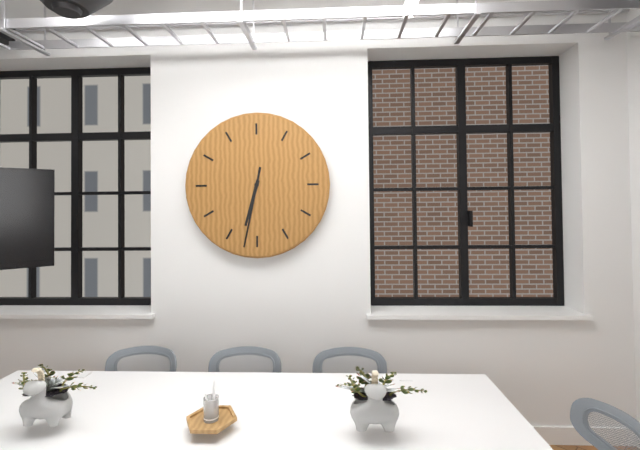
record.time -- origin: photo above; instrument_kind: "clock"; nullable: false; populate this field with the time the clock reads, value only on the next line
6:32
